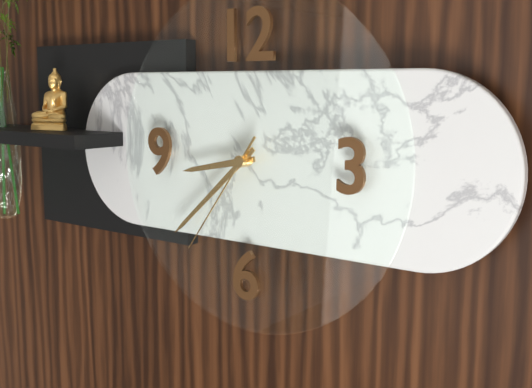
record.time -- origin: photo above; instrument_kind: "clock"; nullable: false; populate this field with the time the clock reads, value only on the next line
8:38:36
